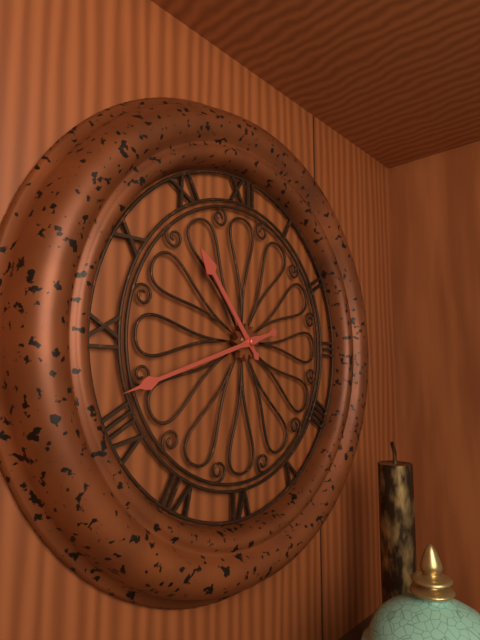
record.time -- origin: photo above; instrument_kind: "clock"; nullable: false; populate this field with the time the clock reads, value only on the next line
10:42
